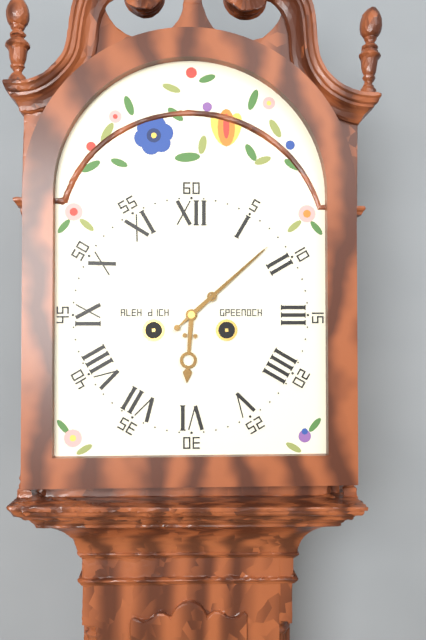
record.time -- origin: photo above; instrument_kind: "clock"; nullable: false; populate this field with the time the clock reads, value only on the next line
6:08
